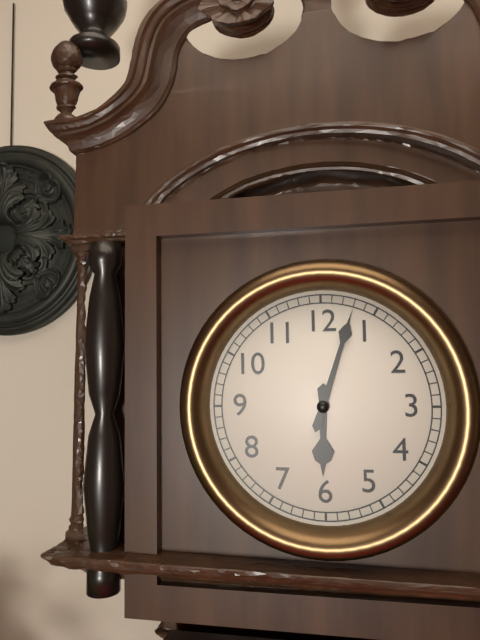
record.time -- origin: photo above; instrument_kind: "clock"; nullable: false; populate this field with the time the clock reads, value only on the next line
6:03
